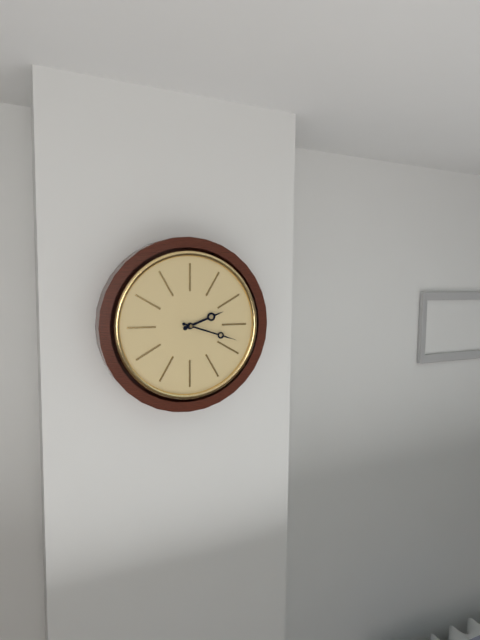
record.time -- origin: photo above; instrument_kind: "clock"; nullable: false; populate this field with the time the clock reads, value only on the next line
2:18
